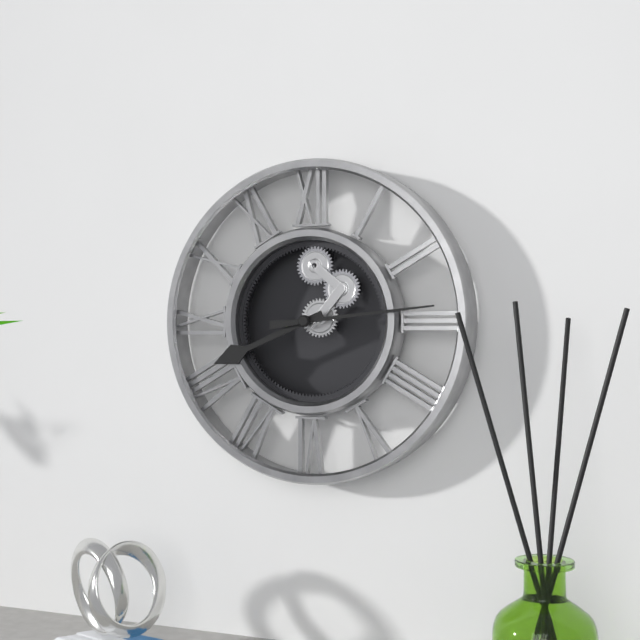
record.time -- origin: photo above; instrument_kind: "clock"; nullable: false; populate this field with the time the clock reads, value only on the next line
8:14
